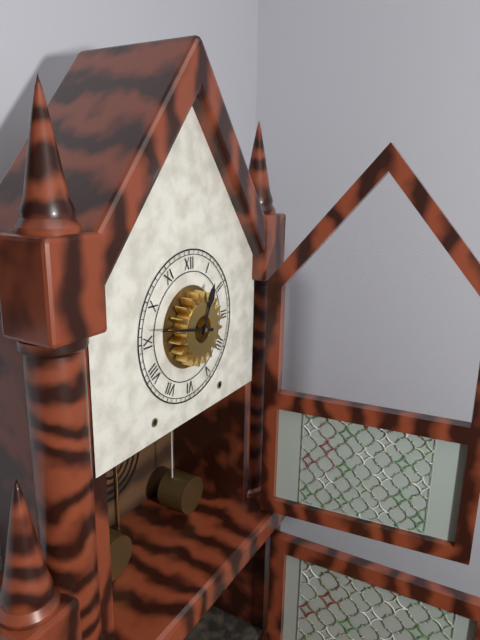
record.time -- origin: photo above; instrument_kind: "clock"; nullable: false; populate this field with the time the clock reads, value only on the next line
12:47
